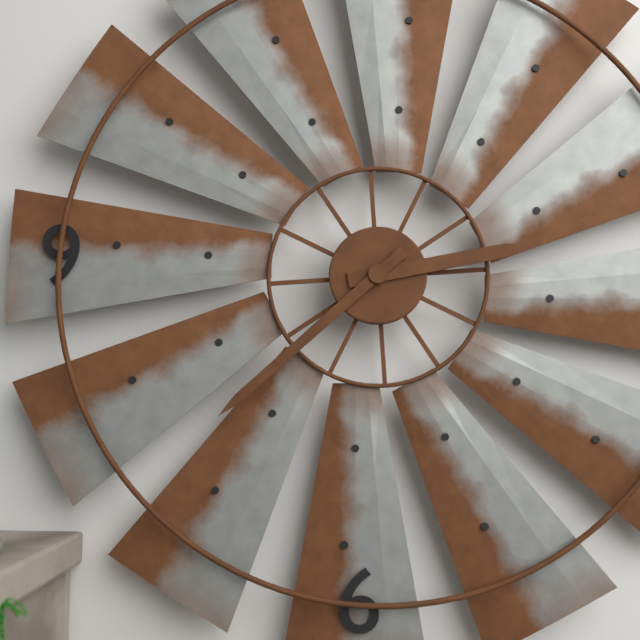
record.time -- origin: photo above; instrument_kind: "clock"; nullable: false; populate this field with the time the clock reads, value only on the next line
2:38
